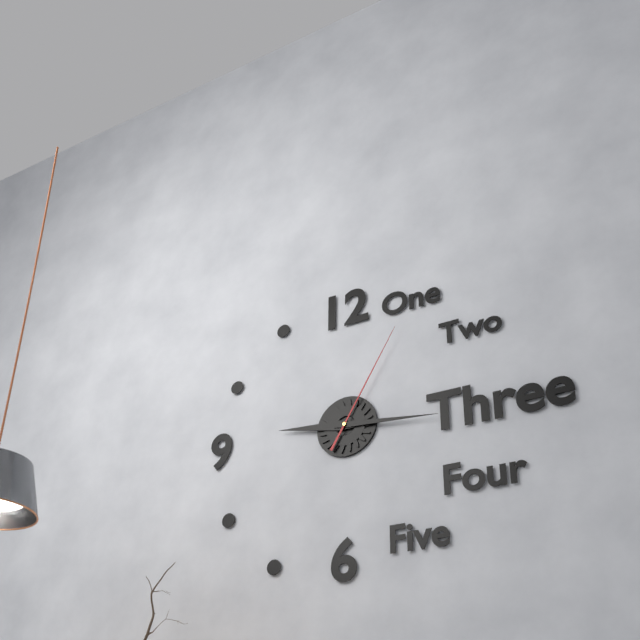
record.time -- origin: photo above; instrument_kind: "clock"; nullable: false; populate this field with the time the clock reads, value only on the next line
9:16:05
